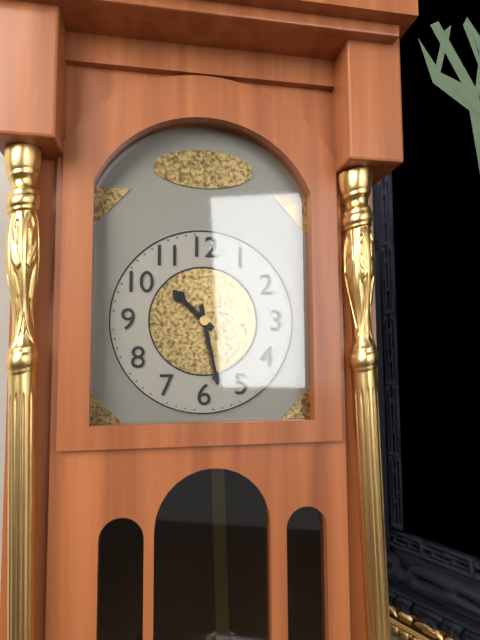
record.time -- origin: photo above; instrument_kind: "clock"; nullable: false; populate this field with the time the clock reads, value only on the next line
10:28
